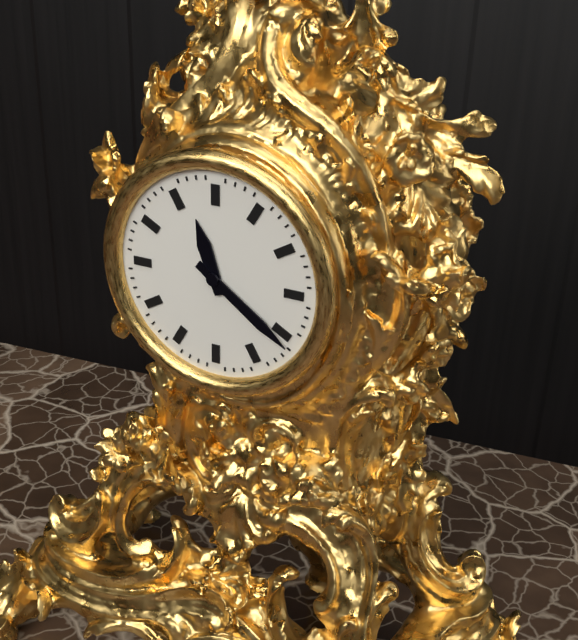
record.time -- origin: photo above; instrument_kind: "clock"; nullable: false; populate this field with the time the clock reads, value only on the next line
11:21
